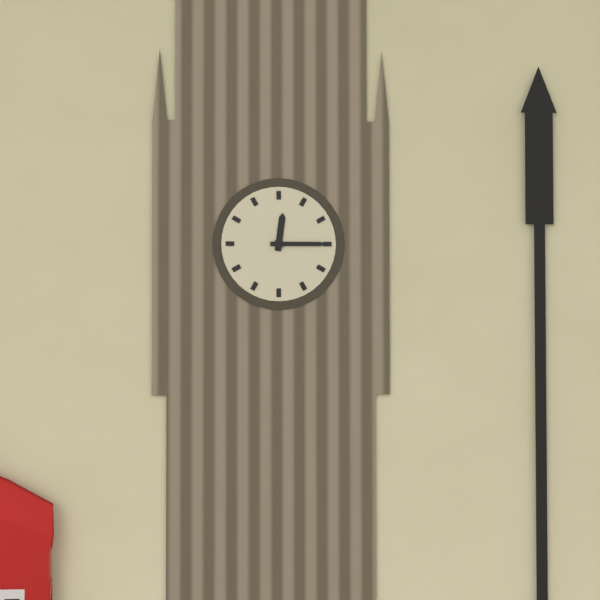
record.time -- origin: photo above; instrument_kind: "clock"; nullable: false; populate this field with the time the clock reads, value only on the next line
12:15
